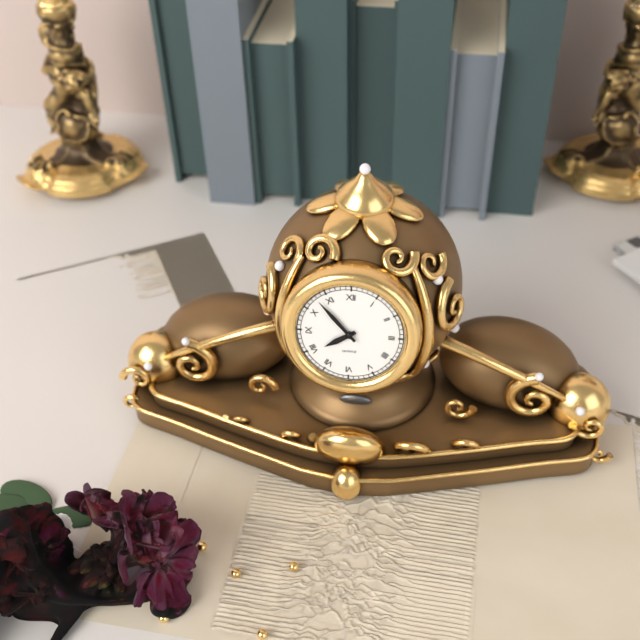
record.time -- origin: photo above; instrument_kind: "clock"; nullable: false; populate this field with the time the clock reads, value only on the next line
7:53
